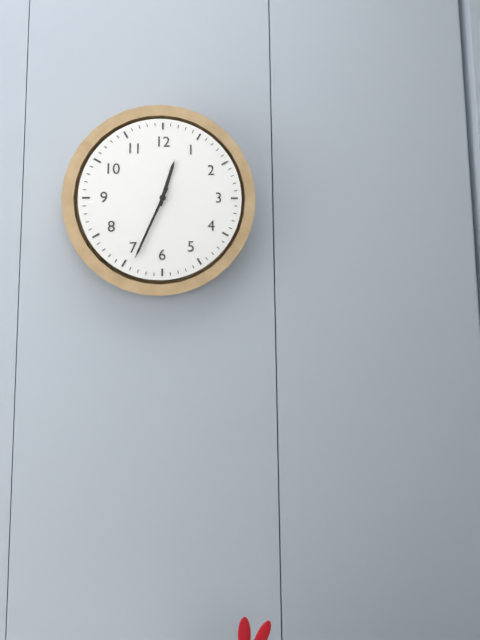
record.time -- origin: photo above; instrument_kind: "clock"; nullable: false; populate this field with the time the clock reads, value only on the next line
12:34
